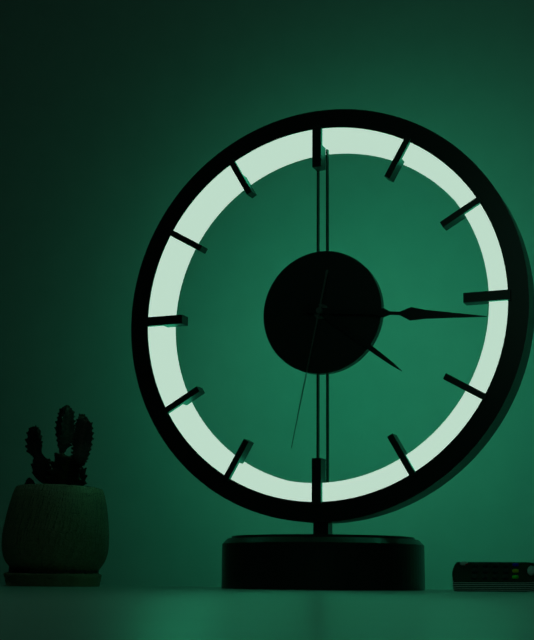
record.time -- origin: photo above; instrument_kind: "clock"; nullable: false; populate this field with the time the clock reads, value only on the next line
4:16:32
